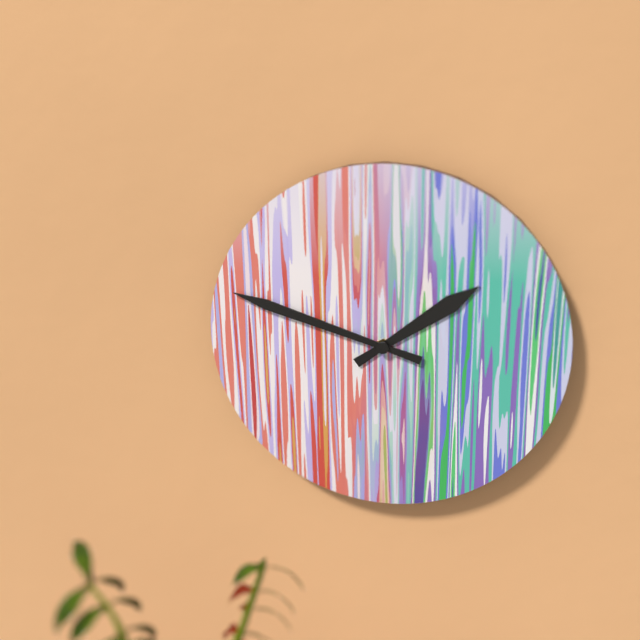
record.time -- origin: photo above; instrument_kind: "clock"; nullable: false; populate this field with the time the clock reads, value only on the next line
1:48
